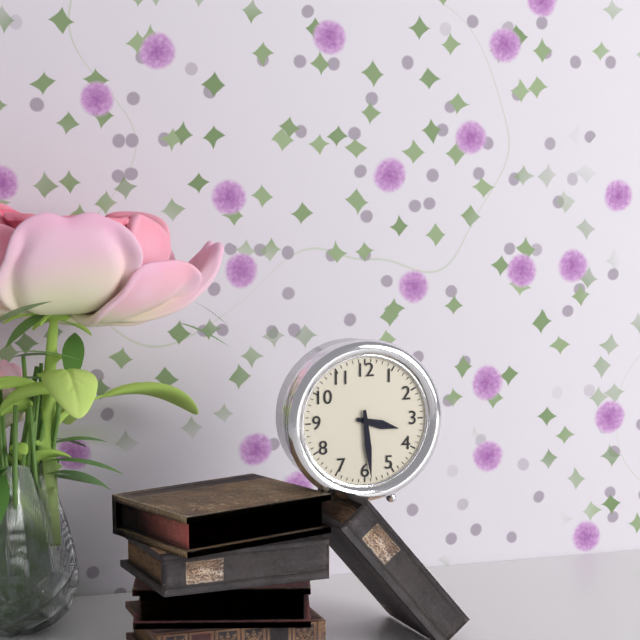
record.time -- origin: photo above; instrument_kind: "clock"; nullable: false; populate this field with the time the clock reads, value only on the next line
3:29
